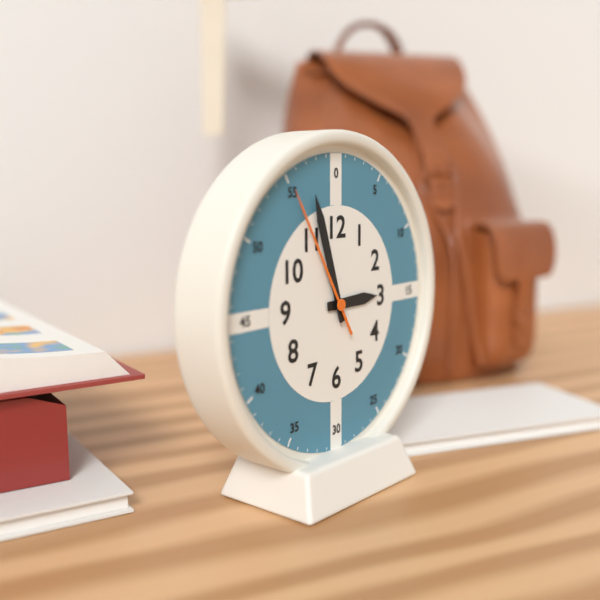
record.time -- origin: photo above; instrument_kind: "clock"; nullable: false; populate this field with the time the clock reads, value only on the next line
2:57:55
